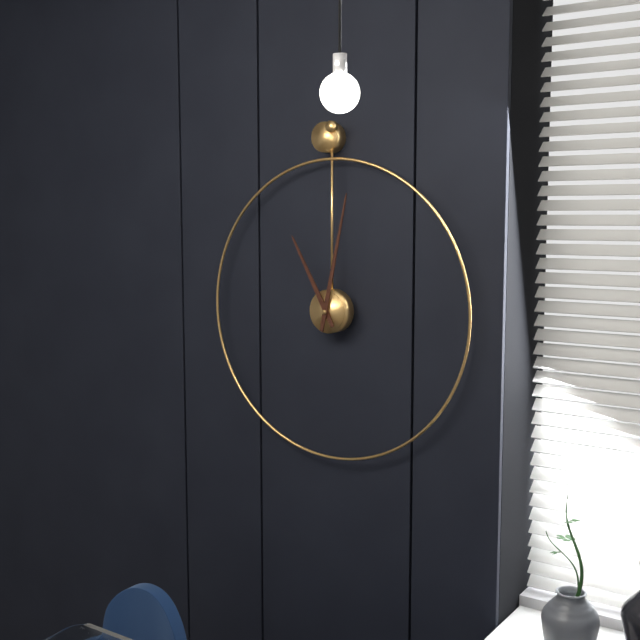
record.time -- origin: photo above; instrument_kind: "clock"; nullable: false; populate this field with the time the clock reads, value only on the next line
11:02
